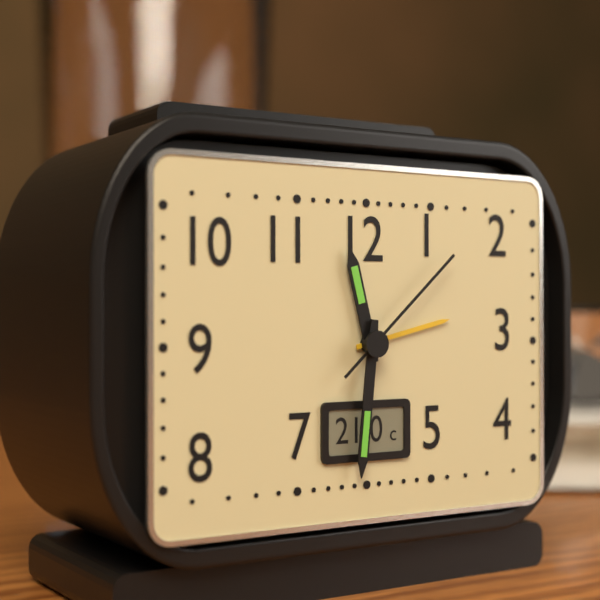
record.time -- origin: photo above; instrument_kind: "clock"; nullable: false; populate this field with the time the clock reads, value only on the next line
11:31:08
